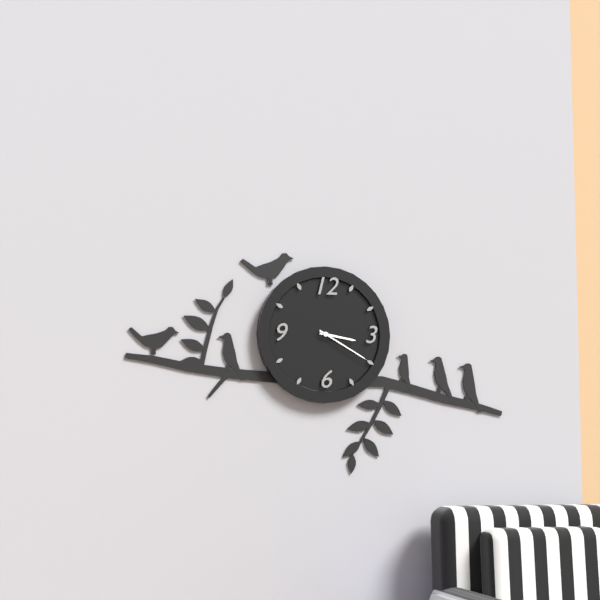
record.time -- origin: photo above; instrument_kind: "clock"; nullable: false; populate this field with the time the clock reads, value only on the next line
3:20
